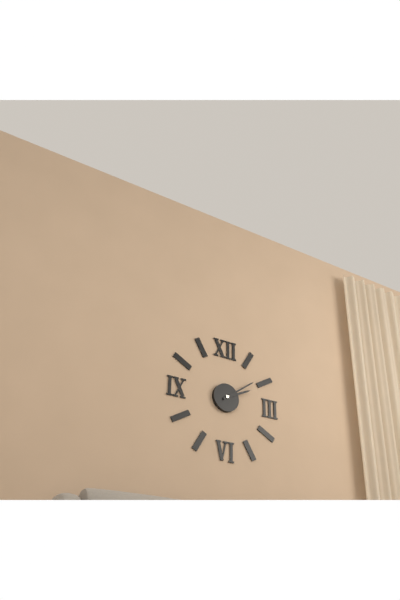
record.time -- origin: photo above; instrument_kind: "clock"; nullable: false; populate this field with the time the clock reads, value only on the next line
2:09
